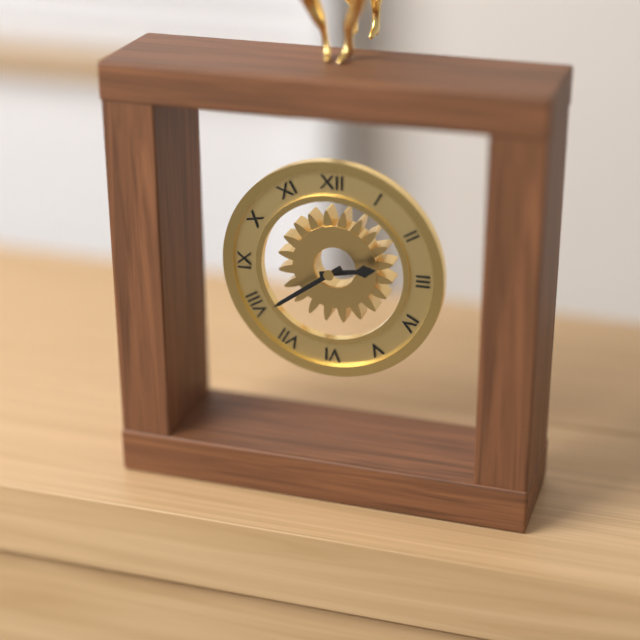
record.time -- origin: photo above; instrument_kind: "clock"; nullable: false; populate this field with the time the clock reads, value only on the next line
2:39
